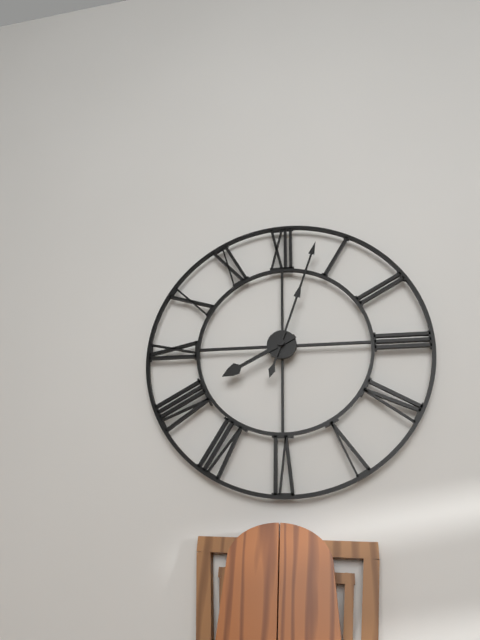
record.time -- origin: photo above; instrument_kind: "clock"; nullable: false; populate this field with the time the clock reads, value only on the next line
8:03
